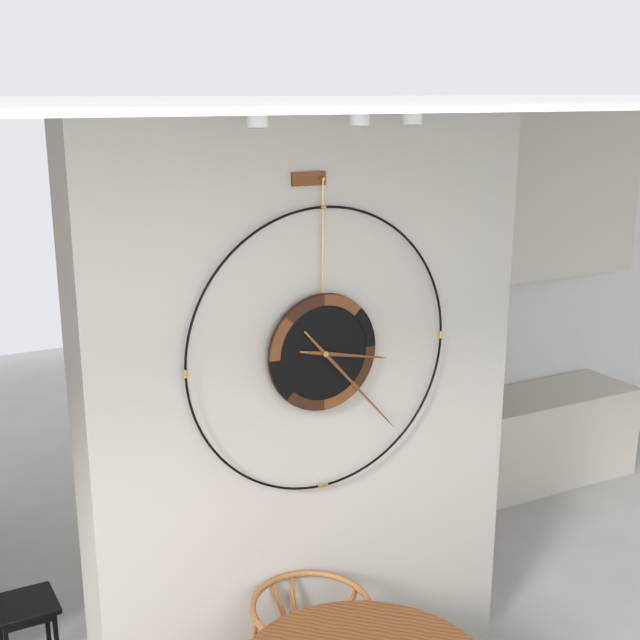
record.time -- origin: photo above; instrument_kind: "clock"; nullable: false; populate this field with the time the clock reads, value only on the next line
3:23
